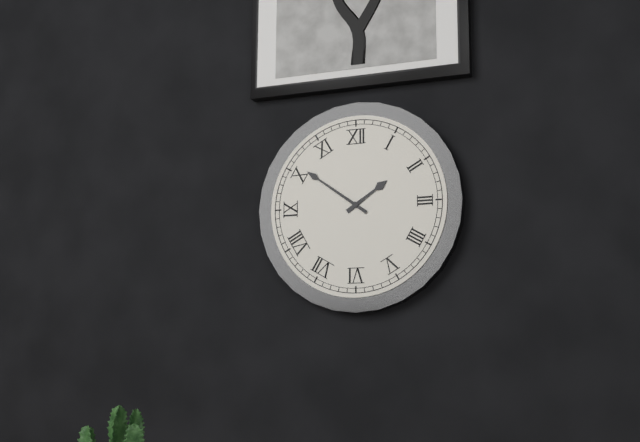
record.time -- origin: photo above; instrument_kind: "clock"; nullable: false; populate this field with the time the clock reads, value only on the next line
1:51
